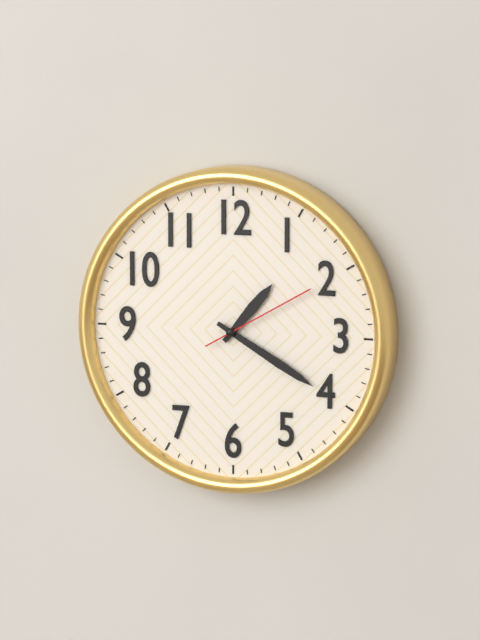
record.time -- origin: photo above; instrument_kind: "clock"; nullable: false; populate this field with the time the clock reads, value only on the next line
1:20:10
